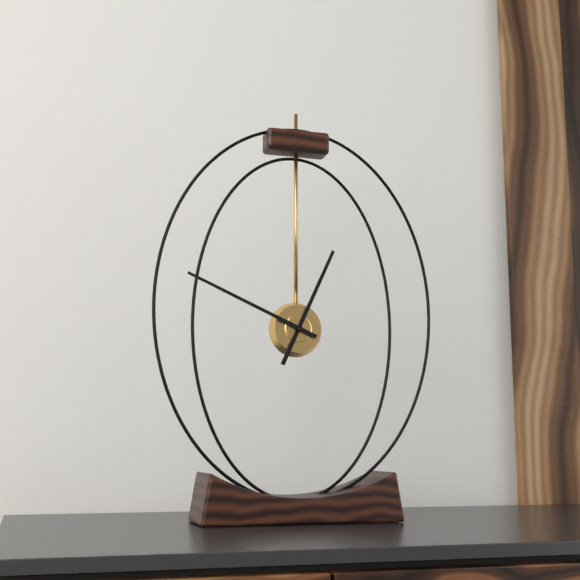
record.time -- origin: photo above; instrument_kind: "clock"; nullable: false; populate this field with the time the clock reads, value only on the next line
12:49
